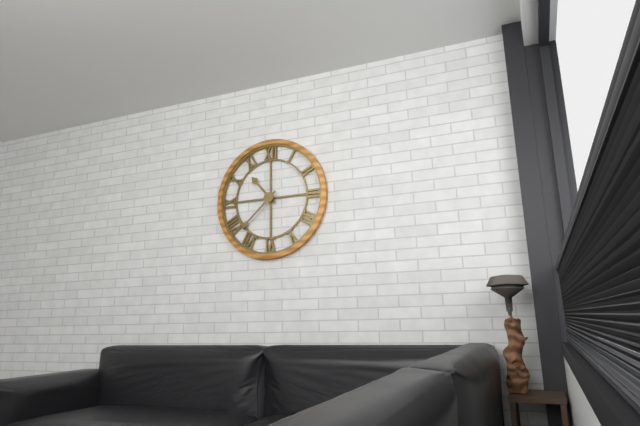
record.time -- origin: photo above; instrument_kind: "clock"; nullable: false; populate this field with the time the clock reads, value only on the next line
10:38
